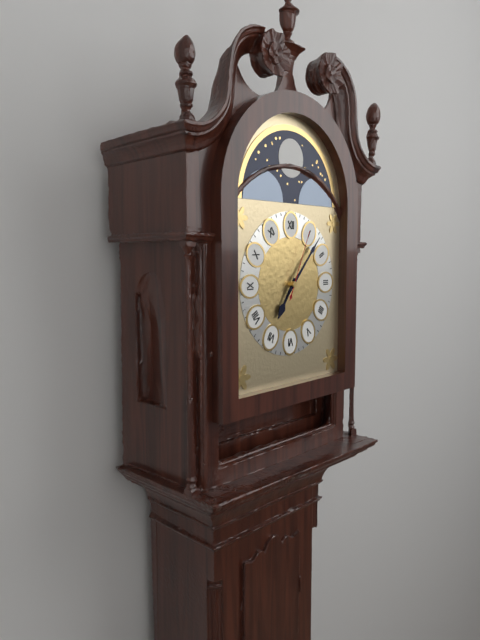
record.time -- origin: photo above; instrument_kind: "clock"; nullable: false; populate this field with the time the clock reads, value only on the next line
7:07:04
